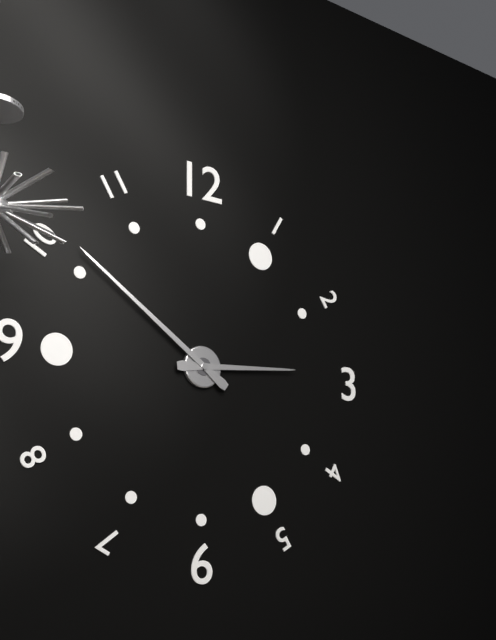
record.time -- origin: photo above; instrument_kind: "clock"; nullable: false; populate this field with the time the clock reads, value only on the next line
2:51
